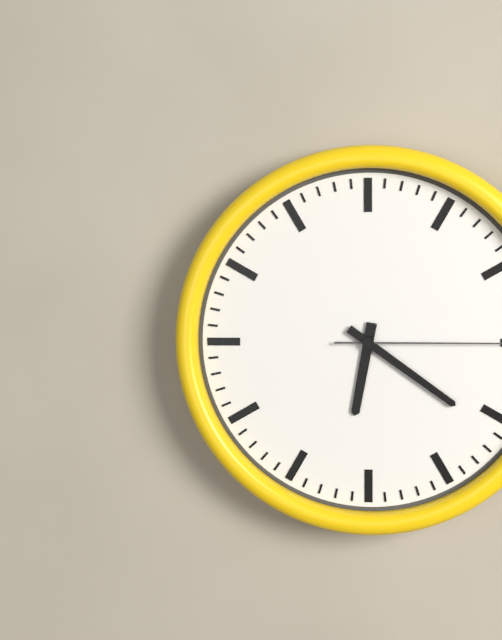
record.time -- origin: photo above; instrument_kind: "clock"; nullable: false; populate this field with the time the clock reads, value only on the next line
6:21
